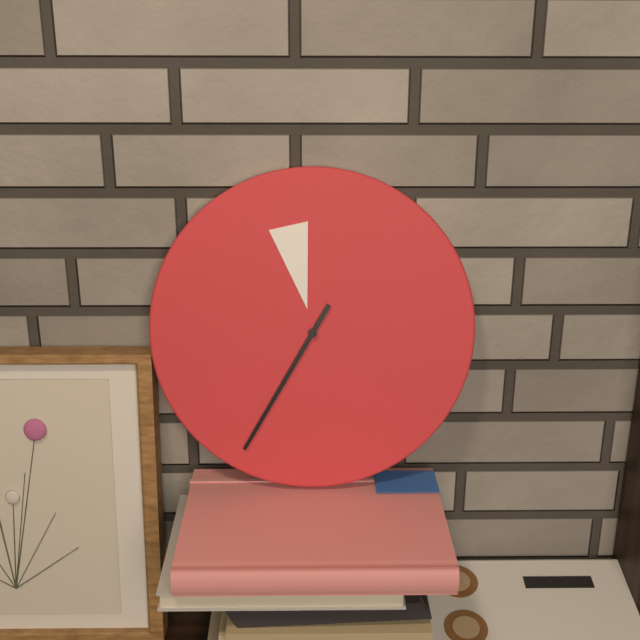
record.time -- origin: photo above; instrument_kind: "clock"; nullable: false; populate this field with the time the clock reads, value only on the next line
11:35
